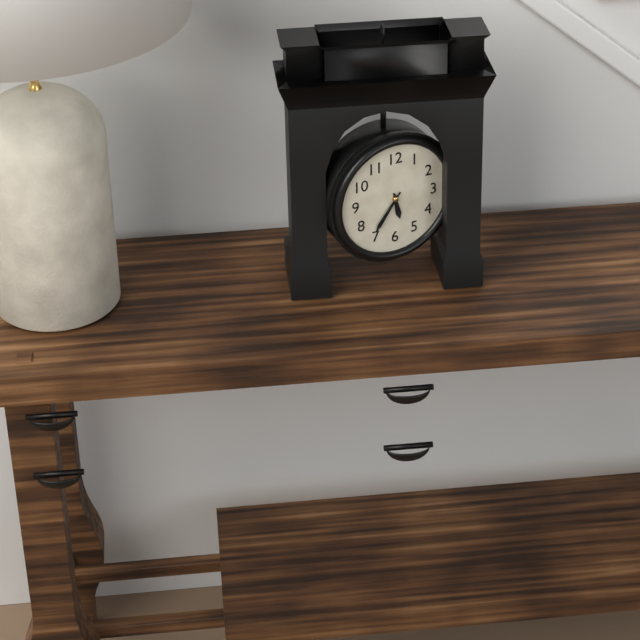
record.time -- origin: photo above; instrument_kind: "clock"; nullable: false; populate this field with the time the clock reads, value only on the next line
5:36
